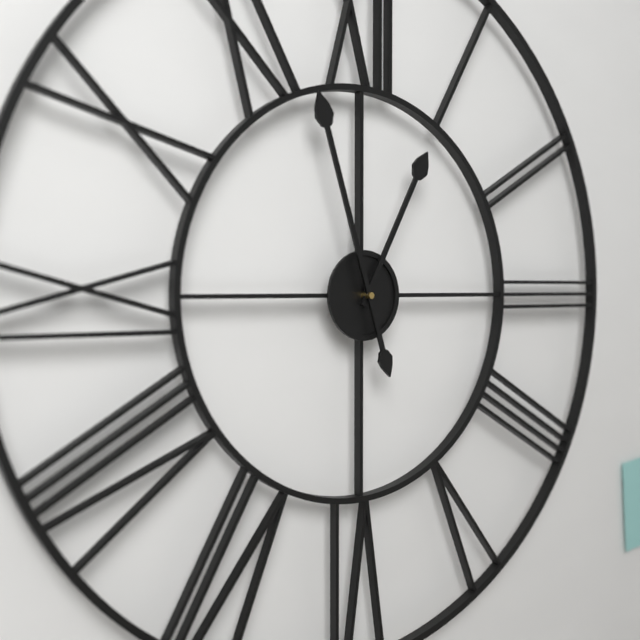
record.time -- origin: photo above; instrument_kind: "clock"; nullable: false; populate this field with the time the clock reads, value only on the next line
12:57
